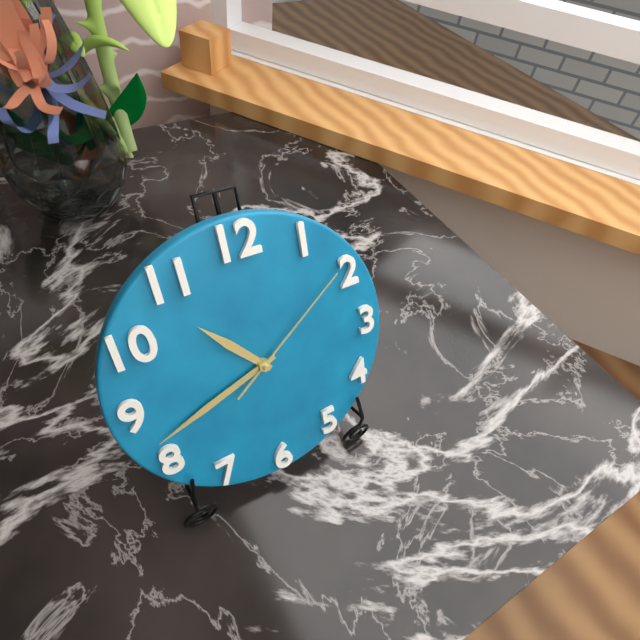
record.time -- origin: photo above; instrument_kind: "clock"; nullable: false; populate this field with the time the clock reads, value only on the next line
10:42:09
